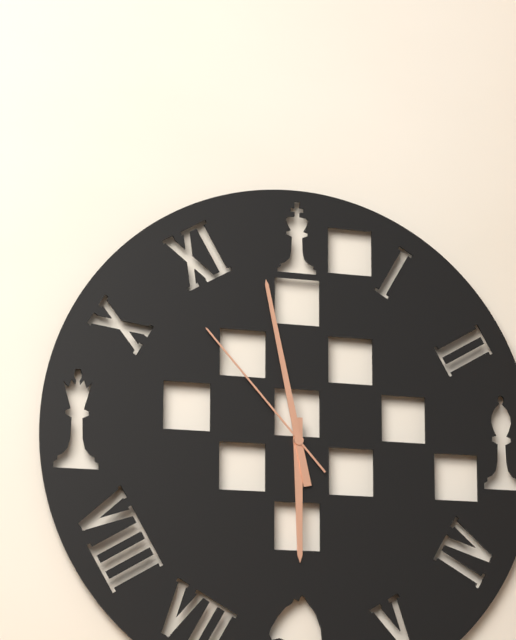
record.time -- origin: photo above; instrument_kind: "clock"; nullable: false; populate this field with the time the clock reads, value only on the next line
5:58:53
